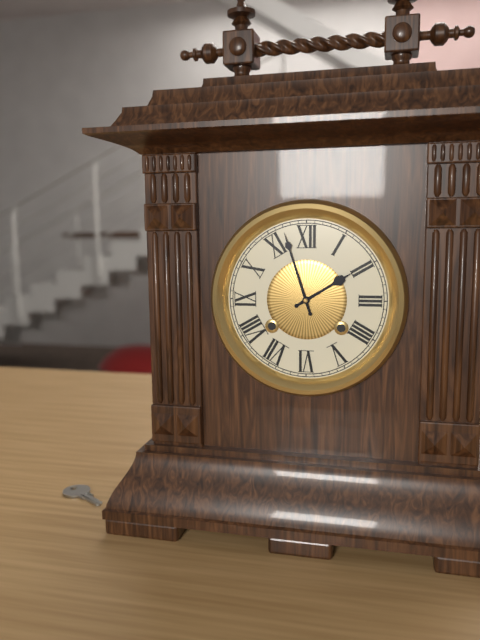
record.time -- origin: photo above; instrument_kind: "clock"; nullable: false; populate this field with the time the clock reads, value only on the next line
1:57
